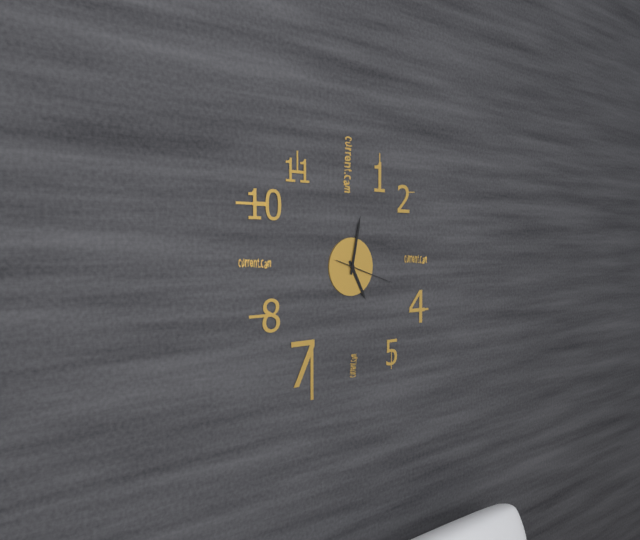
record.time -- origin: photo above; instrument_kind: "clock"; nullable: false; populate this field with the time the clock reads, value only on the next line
5:02:18
